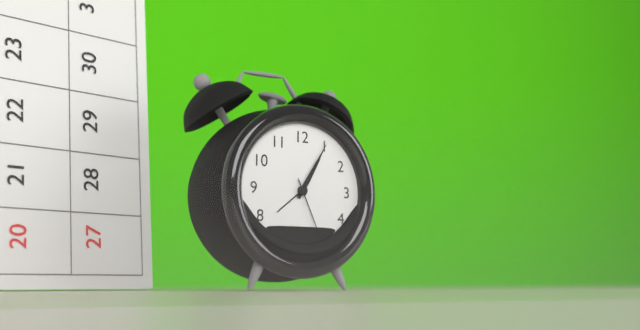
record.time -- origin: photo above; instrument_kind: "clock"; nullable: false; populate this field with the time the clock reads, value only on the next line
1:05:26
